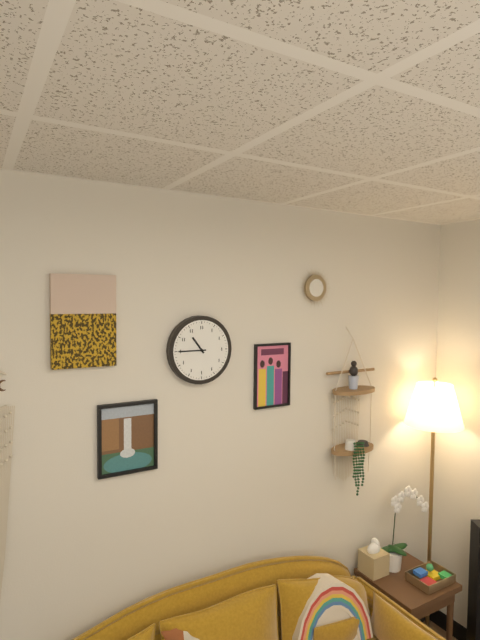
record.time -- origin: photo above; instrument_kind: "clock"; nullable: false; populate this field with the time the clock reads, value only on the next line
10:45
